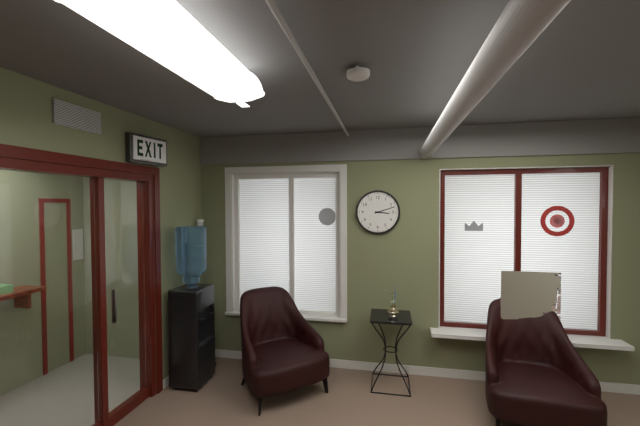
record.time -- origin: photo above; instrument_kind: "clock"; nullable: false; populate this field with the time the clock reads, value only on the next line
3:12
